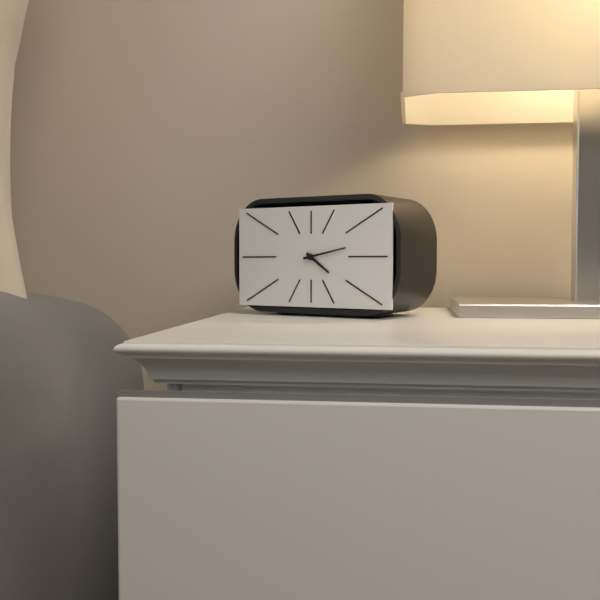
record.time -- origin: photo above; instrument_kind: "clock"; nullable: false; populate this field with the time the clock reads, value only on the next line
4:13
